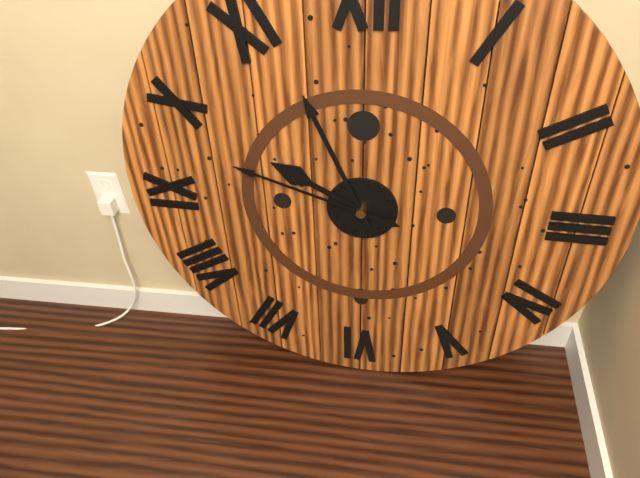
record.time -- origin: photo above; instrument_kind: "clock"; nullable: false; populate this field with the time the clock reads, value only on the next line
9:56:48
